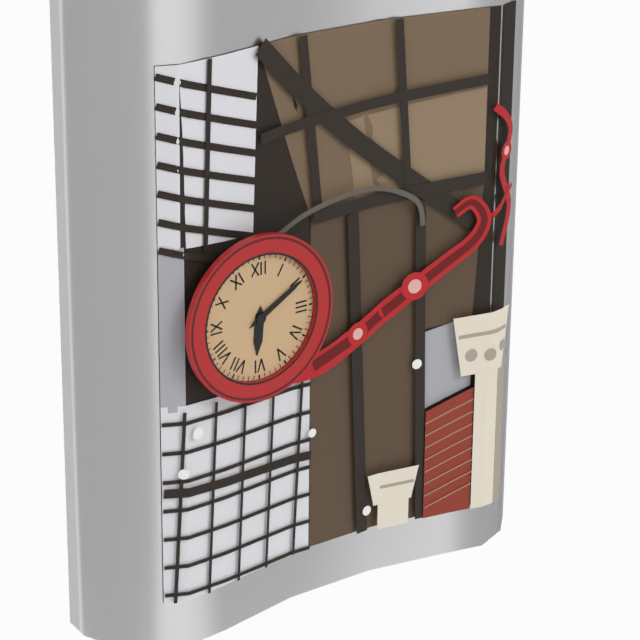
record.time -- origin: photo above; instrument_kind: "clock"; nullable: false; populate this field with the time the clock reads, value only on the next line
6:10
